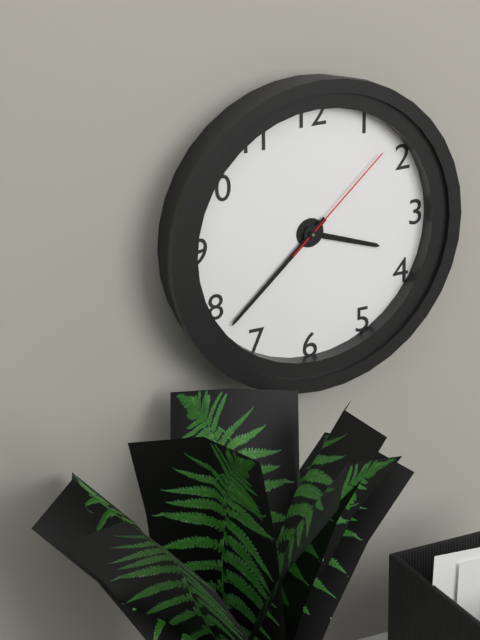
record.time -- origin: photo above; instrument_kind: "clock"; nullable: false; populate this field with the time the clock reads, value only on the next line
3:38:08
